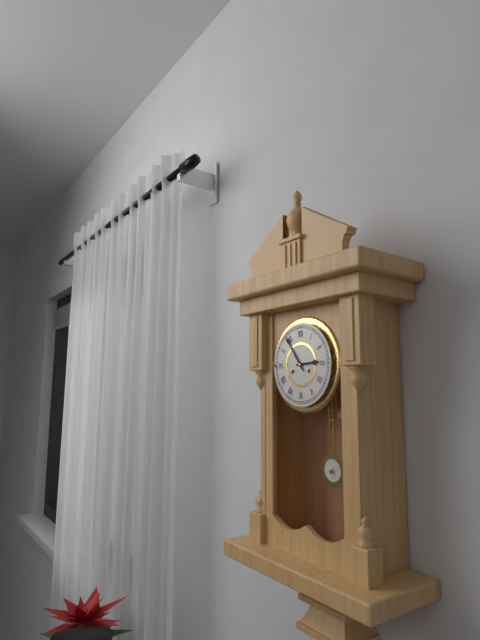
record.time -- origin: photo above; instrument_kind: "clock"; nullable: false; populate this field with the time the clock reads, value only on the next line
2:54
